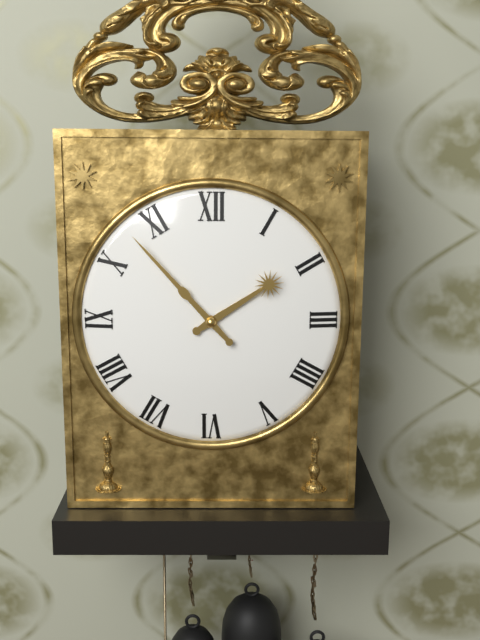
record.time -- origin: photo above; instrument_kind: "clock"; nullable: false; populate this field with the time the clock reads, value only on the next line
1:53
